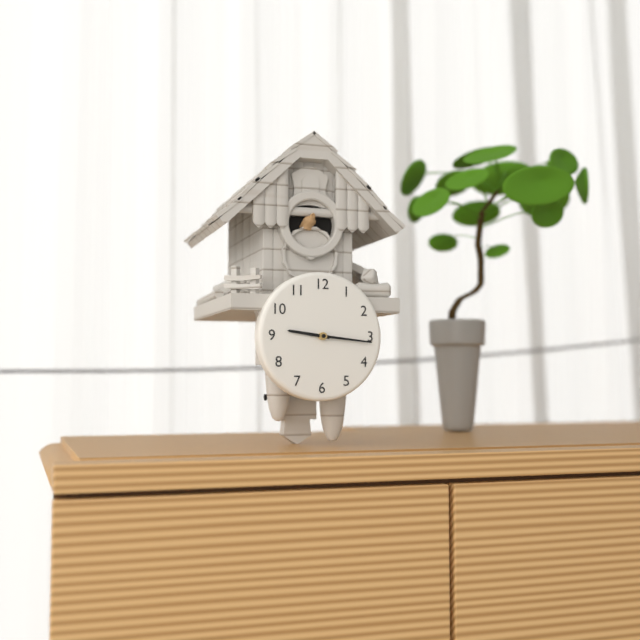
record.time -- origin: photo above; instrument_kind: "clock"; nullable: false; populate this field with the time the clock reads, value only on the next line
9:16
